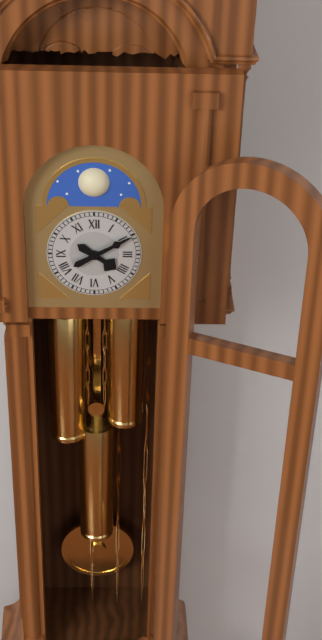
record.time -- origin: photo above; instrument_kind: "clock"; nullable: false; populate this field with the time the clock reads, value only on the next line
4:10
